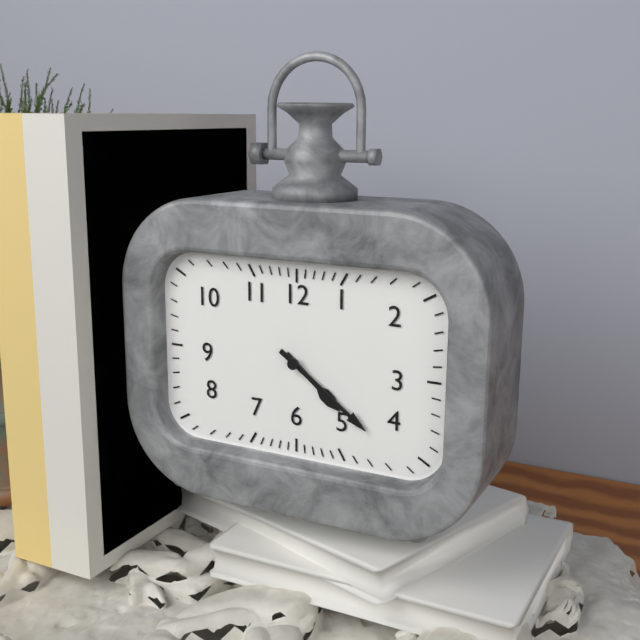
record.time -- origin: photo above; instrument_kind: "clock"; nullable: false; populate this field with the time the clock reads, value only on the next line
4:21
